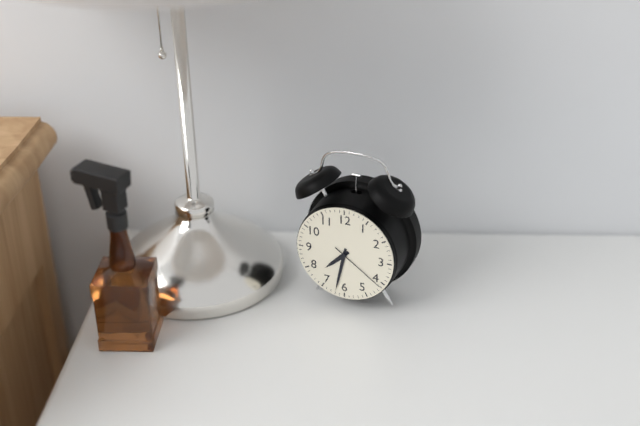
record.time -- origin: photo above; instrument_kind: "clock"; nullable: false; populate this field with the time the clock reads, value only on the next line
7:32:21
